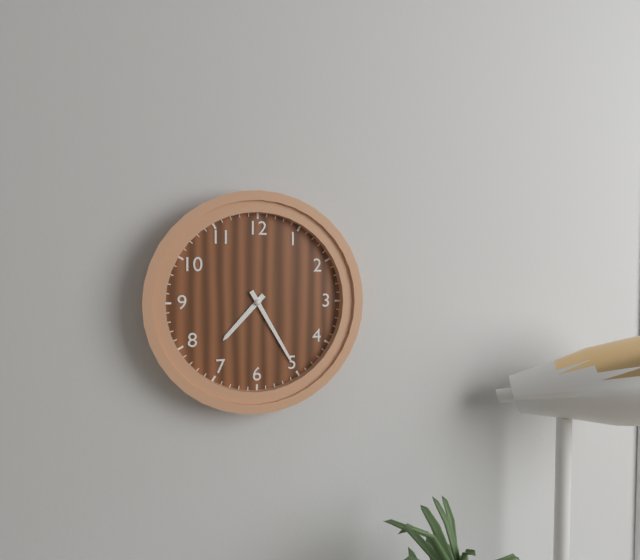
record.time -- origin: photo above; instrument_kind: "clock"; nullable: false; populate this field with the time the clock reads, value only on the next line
7:25
